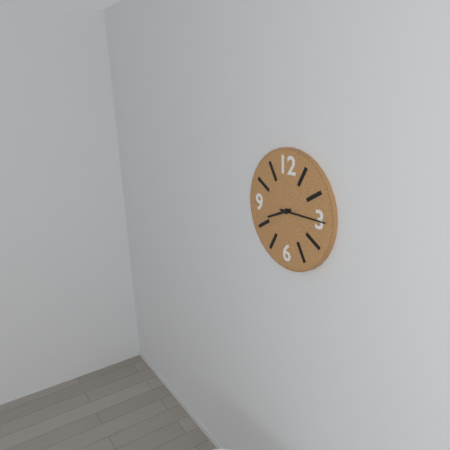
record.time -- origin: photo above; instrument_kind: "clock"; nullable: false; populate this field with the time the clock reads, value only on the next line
8:15
